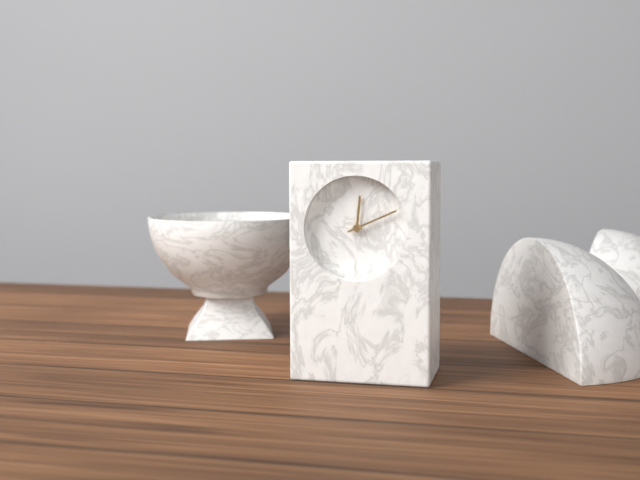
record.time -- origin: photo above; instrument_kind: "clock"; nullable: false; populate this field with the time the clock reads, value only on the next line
12:11
